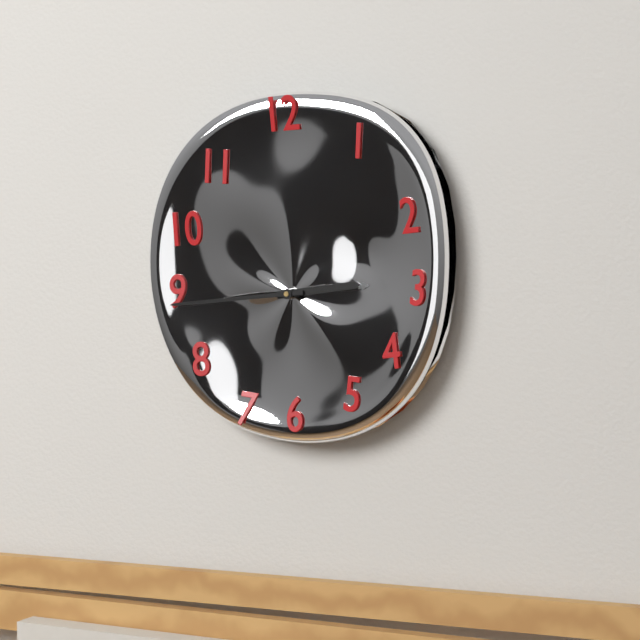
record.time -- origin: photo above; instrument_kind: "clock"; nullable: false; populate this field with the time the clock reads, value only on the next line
2:44
